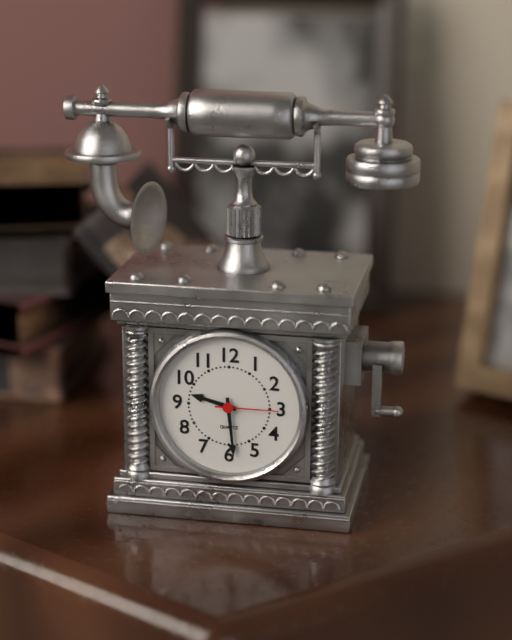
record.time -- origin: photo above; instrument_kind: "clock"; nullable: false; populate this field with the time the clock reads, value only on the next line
9:29:15
